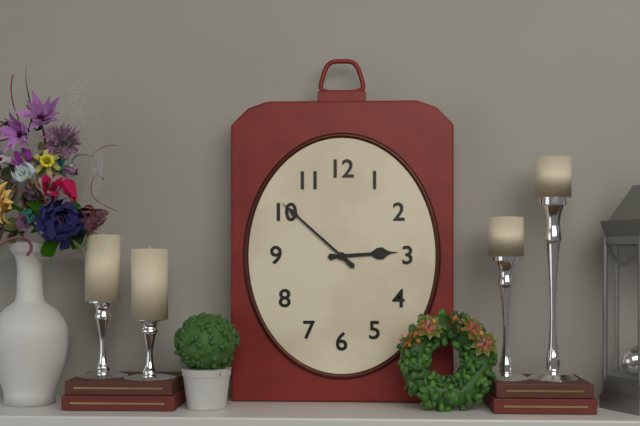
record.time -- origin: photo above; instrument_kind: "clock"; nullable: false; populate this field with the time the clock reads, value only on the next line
2:52
